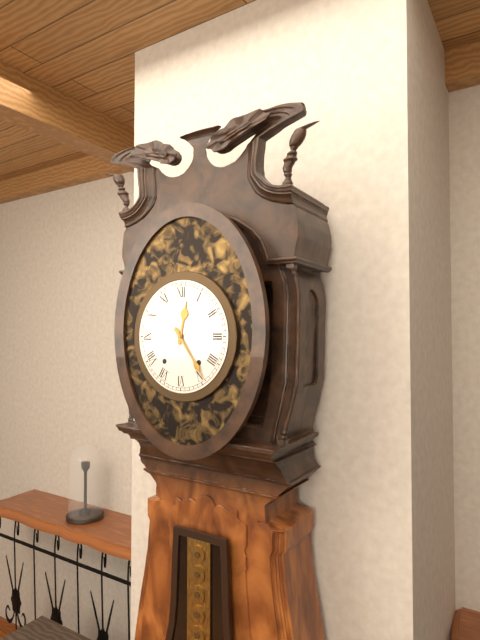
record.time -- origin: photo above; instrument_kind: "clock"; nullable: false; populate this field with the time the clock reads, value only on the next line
12:24
